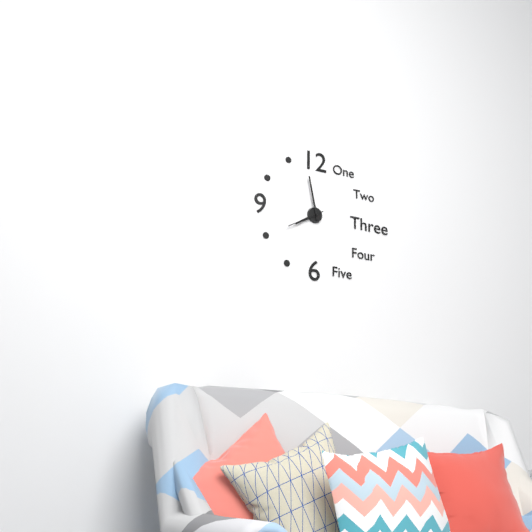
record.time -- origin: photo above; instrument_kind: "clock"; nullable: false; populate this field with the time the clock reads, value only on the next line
7:58
